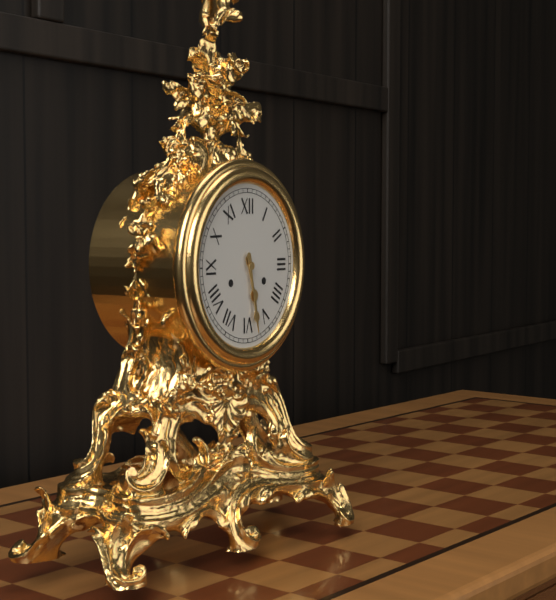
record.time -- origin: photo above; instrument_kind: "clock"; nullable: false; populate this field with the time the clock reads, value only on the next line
5:28
